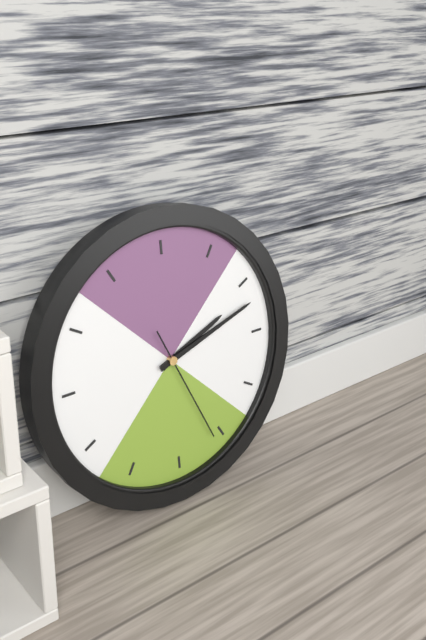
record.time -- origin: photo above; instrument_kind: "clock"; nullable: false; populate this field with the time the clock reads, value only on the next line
2:12:26
